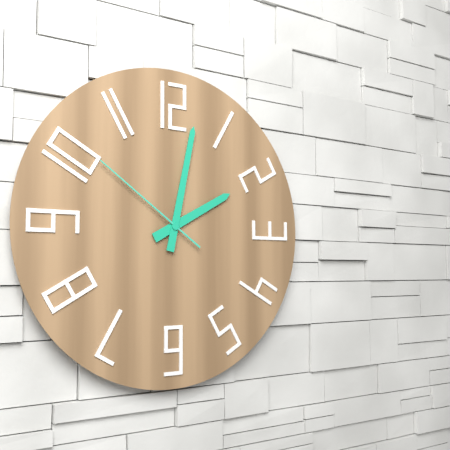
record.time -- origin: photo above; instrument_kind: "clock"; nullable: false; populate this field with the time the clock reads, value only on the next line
2:02:51
